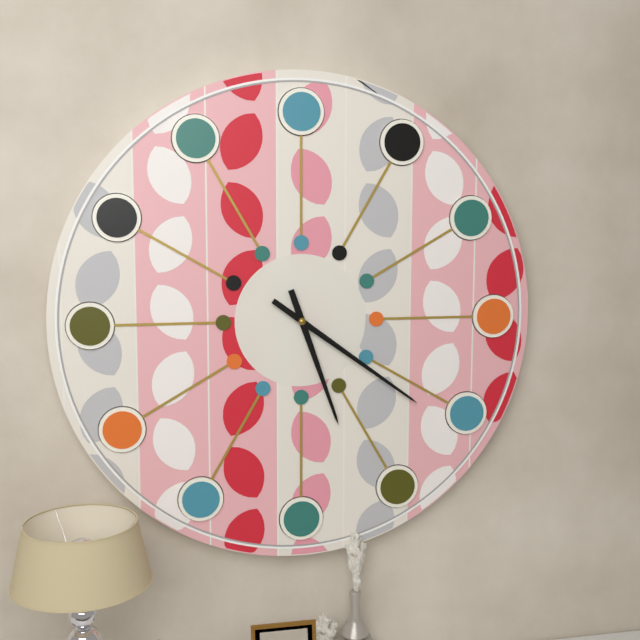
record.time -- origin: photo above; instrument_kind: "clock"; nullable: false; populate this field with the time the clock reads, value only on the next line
5:21
